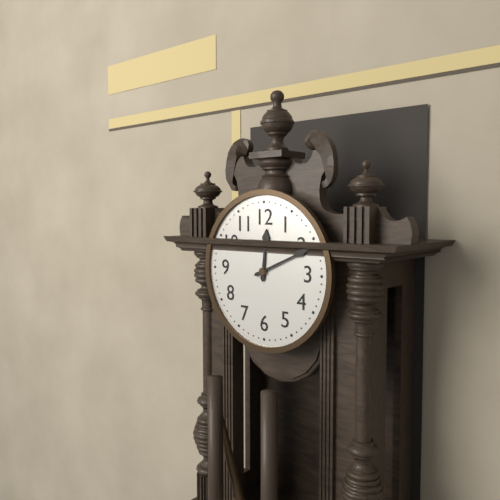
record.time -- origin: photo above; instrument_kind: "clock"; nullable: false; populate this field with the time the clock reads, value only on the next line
12:11
